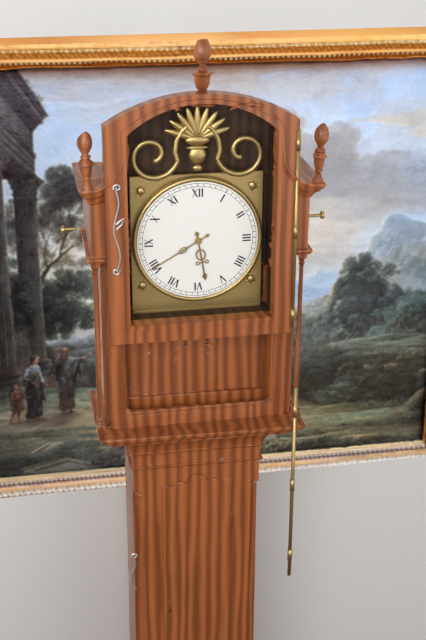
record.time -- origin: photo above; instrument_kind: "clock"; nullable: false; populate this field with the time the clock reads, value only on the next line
5:40
